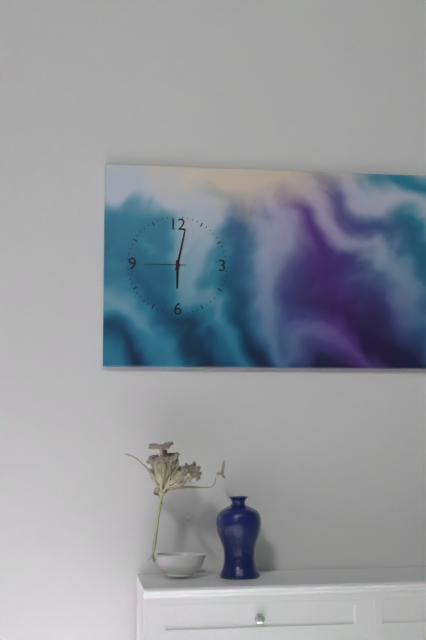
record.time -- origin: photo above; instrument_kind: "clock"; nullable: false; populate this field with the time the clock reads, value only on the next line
6:02
